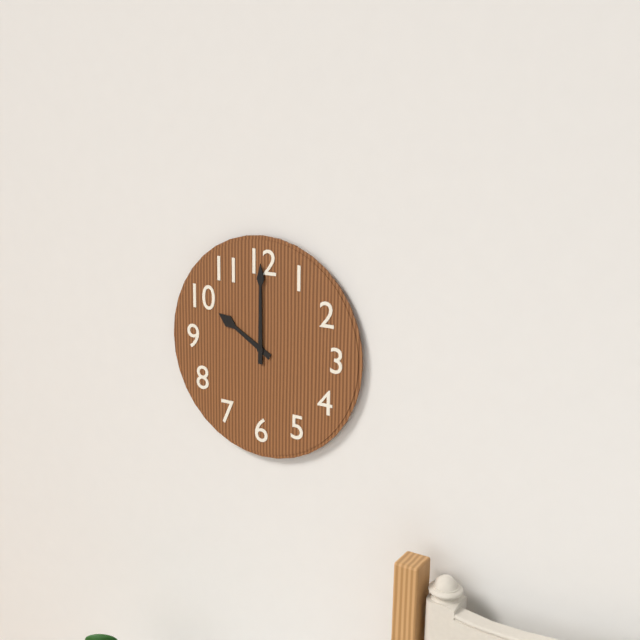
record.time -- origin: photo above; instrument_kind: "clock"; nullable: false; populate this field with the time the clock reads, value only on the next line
10:00
